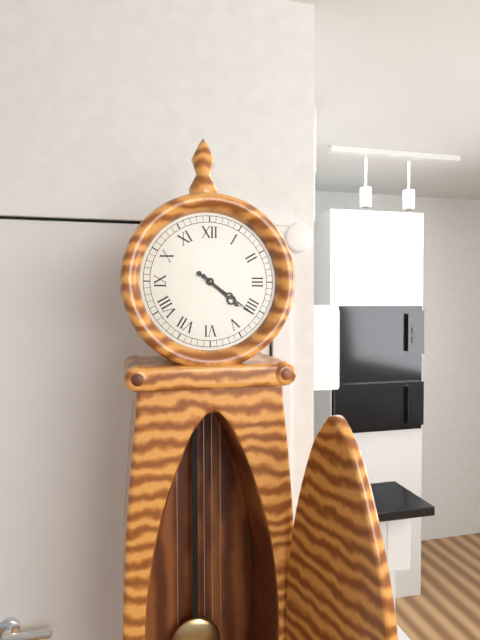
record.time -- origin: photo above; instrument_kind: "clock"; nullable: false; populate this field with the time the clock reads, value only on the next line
4:21
